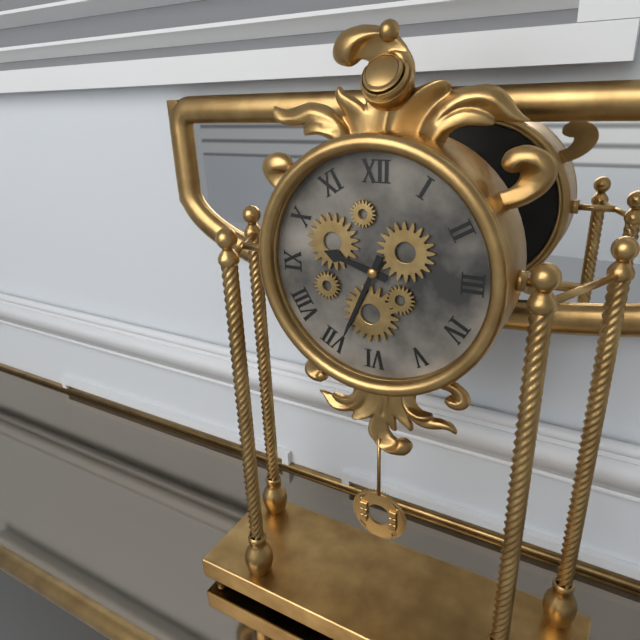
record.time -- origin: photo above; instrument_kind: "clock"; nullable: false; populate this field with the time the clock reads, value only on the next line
9:34
